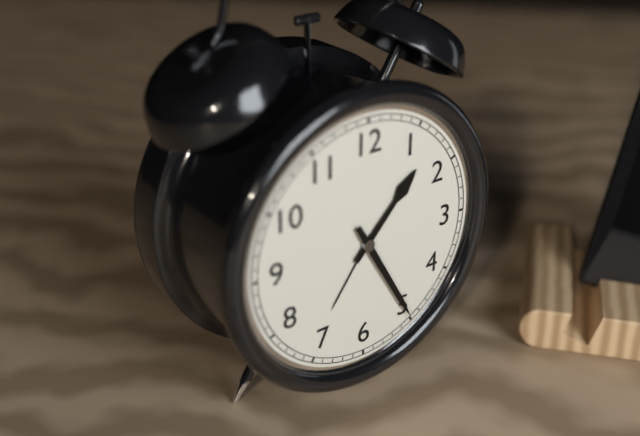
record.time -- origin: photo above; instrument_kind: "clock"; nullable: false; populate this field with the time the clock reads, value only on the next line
1:25
